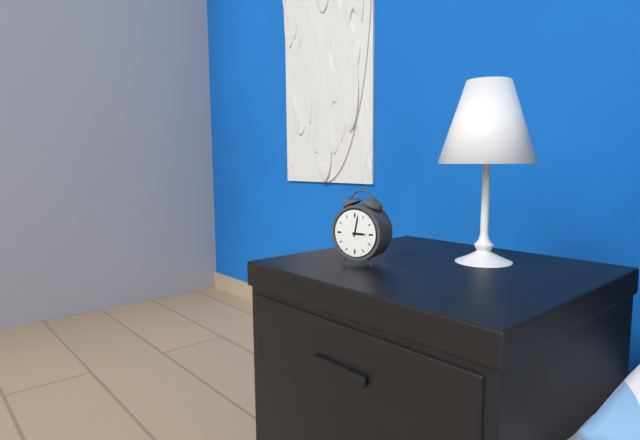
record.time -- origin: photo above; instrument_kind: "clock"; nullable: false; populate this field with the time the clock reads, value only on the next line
3:02
